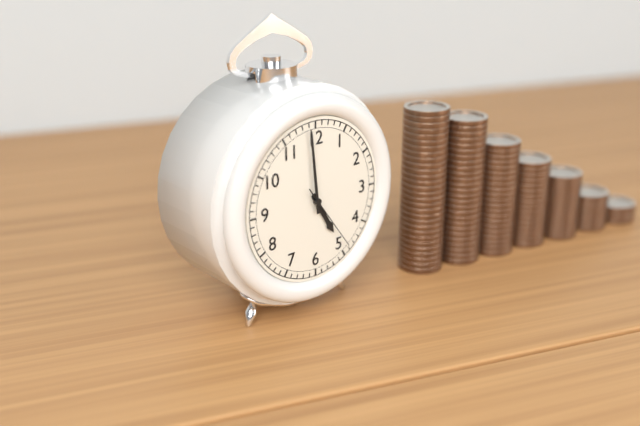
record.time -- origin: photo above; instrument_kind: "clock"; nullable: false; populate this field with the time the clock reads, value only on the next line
4:59:24
